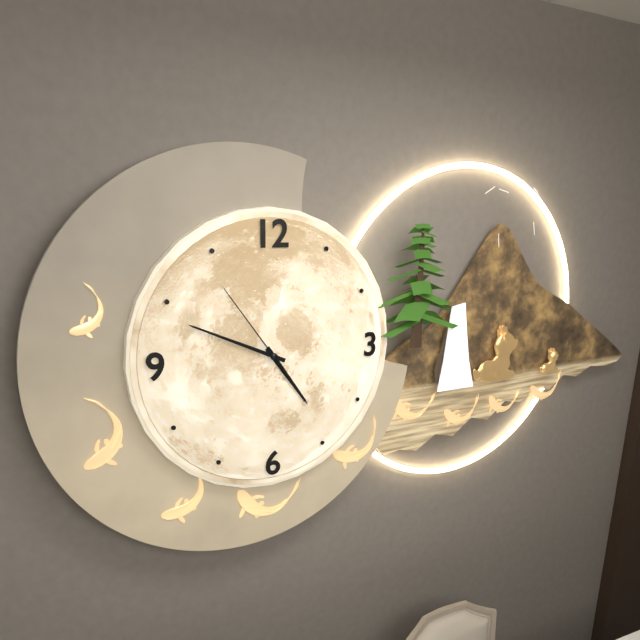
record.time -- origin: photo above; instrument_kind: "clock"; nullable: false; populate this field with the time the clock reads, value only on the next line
4:49:54
